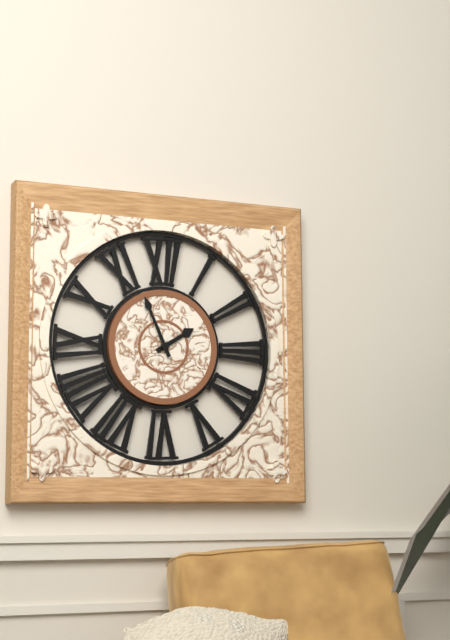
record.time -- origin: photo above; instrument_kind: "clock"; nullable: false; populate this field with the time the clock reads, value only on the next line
1:56
